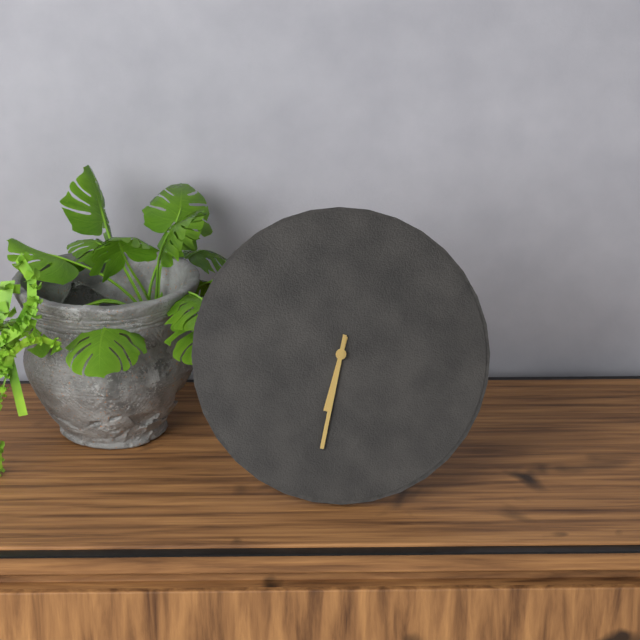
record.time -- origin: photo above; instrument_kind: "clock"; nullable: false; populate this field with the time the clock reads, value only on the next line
6:32
